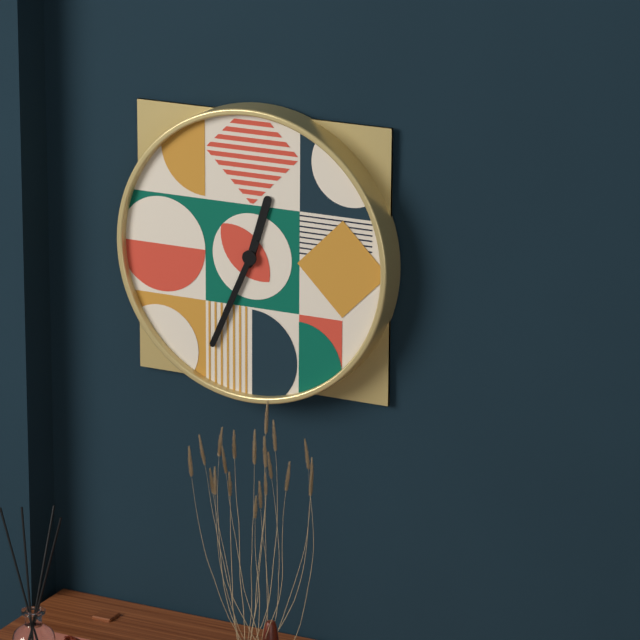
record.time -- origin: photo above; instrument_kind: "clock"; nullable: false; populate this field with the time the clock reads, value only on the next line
12:34
